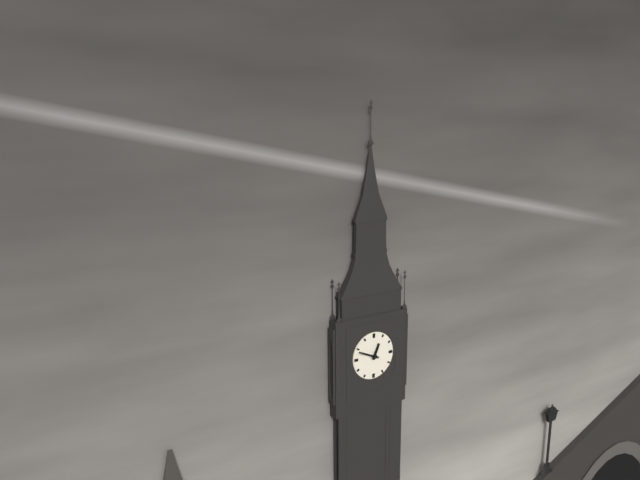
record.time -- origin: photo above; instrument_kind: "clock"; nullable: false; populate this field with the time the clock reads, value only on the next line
12:49
